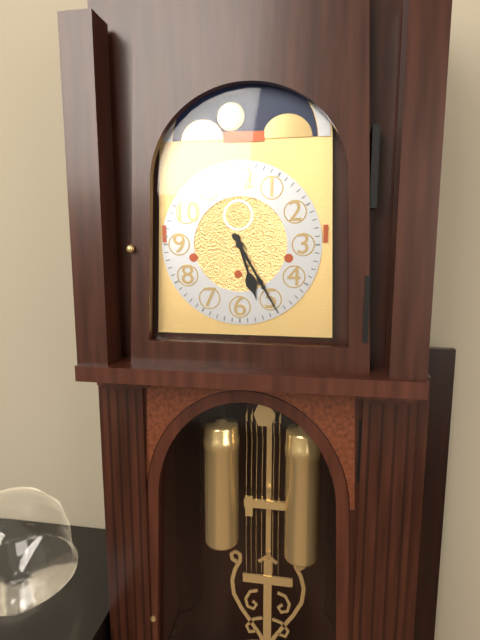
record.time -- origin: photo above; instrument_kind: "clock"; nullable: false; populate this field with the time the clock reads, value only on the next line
5:25
